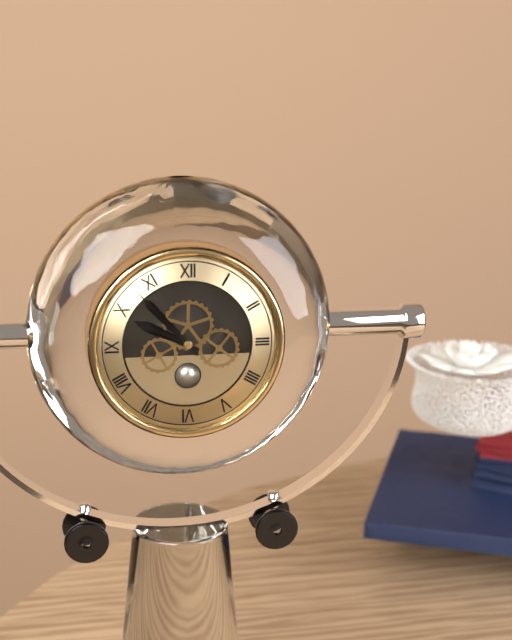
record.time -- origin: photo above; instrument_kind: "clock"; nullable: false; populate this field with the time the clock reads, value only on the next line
9:53
